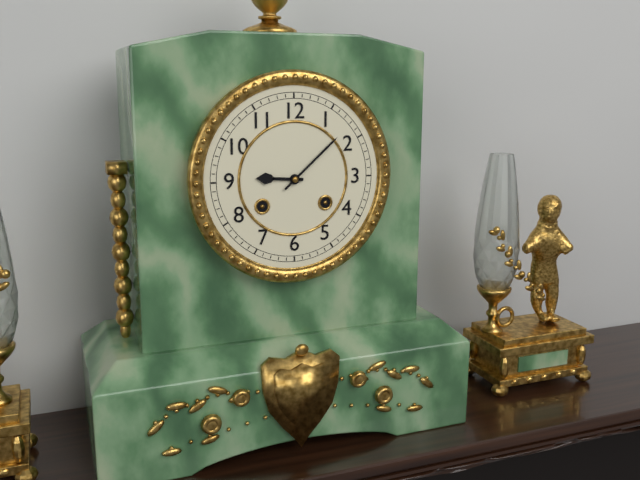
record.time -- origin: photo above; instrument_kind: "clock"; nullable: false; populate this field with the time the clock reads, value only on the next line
9:08
